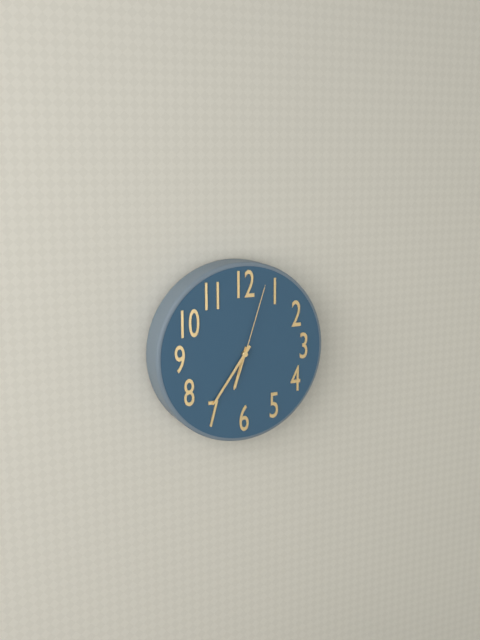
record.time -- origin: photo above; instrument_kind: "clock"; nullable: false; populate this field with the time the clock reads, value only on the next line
6:36:03
